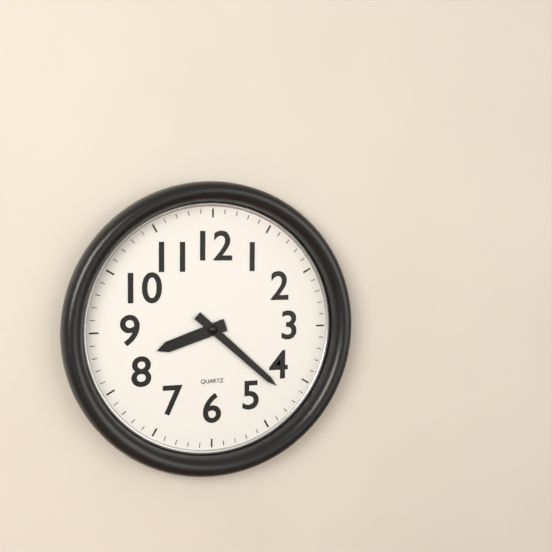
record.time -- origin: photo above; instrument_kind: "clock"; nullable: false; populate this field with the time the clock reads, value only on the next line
8:22
